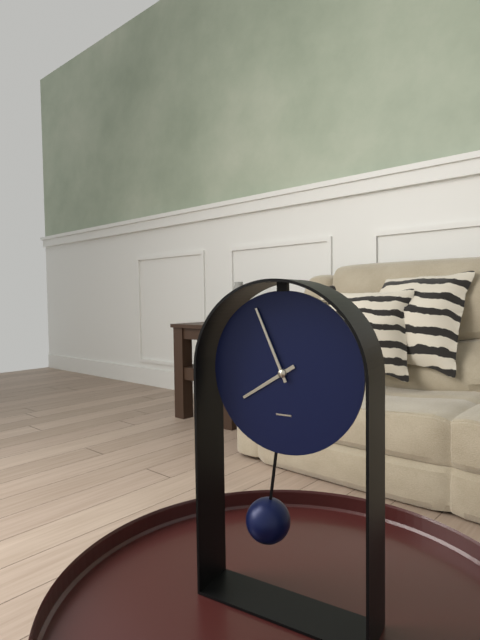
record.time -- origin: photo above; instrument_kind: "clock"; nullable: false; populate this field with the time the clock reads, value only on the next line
7:56
